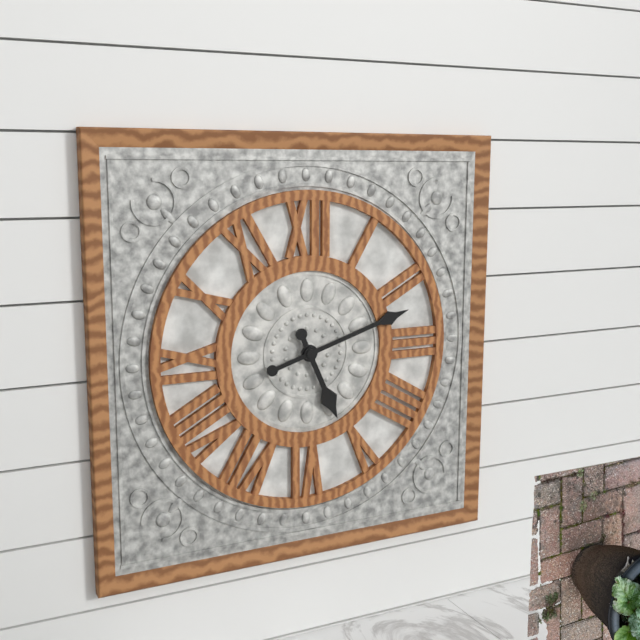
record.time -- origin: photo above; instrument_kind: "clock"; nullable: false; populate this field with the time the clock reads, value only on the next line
5:12
